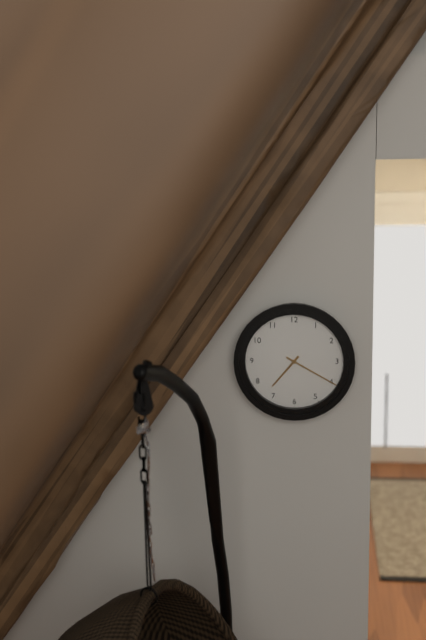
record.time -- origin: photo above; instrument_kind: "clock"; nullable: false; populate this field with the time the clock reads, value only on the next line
7:20
